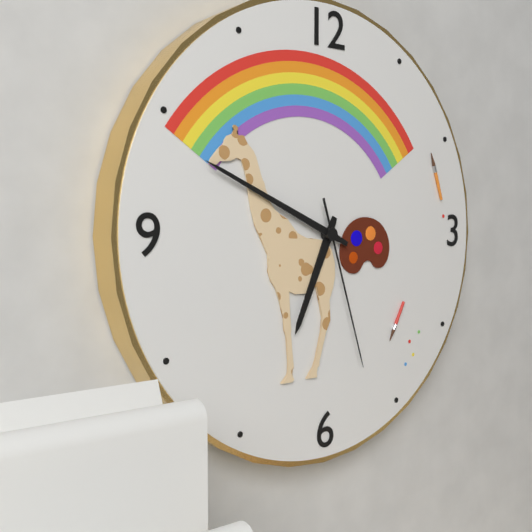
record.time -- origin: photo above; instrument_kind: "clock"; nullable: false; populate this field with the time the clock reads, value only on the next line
6:49:27
